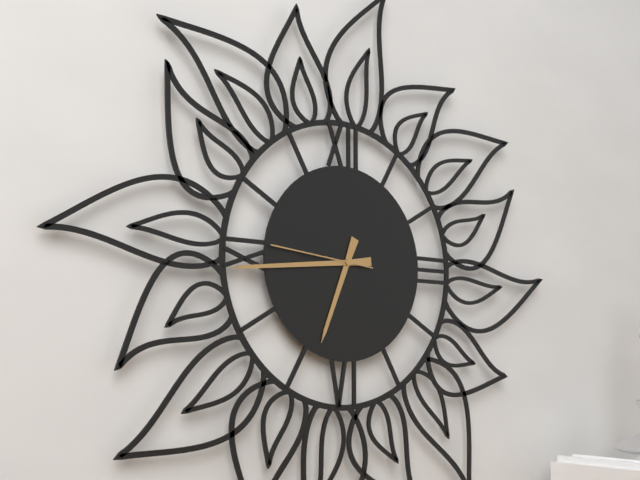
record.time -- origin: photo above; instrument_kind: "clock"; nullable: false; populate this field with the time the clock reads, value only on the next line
6:44:46
